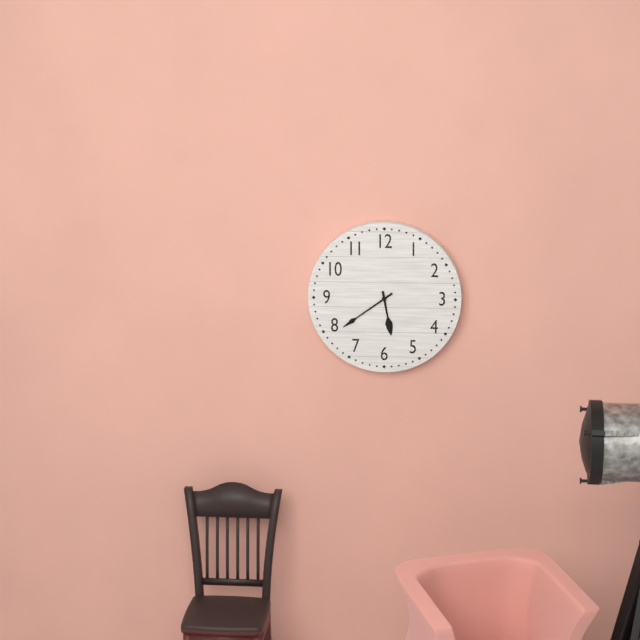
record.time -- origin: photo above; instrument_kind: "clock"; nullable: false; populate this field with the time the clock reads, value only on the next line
5:39
